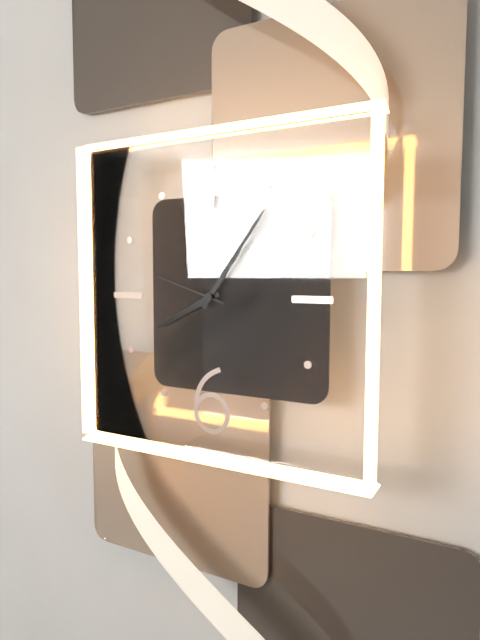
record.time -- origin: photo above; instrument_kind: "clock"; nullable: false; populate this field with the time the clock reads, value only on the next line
8:06:48
